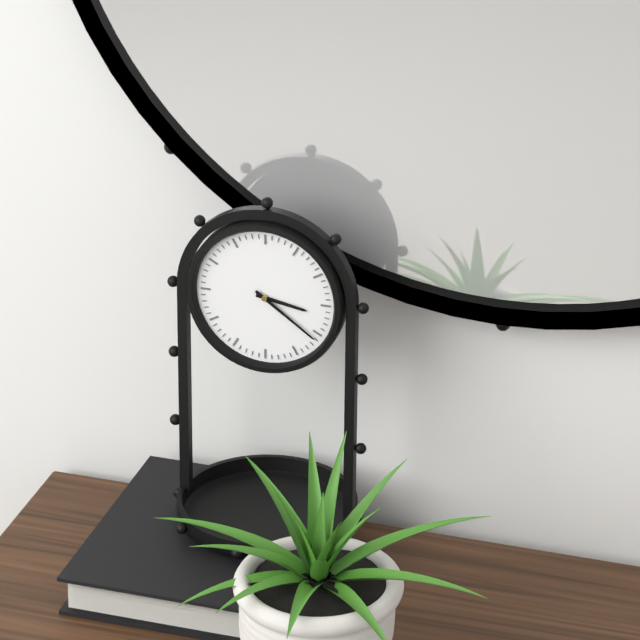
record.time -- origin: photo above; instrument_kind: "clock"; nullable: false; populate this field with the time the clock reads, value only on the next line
3:21
